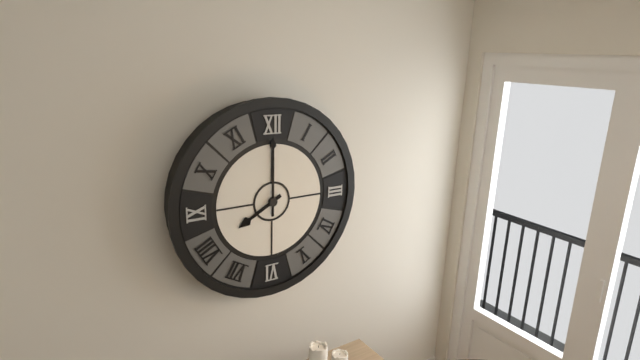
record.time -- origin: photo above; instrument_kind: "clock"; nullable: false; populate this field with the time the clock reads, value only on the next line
8:00
